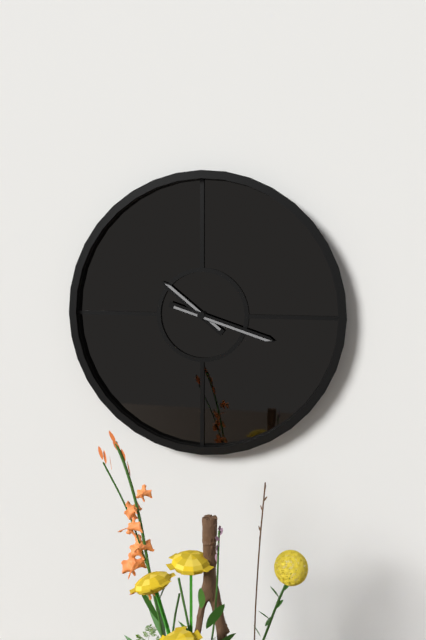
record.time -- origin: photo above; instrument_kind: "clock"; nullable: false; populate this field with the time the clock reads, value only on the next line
10:18
